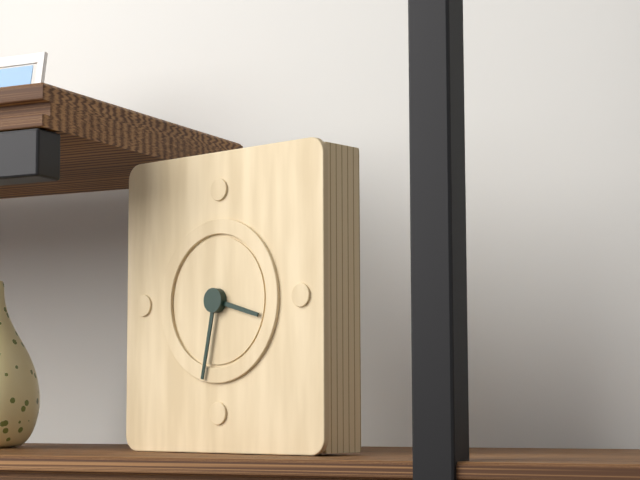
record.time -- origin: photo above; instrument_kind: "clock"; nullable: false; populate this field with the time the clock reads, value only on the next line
3:32
